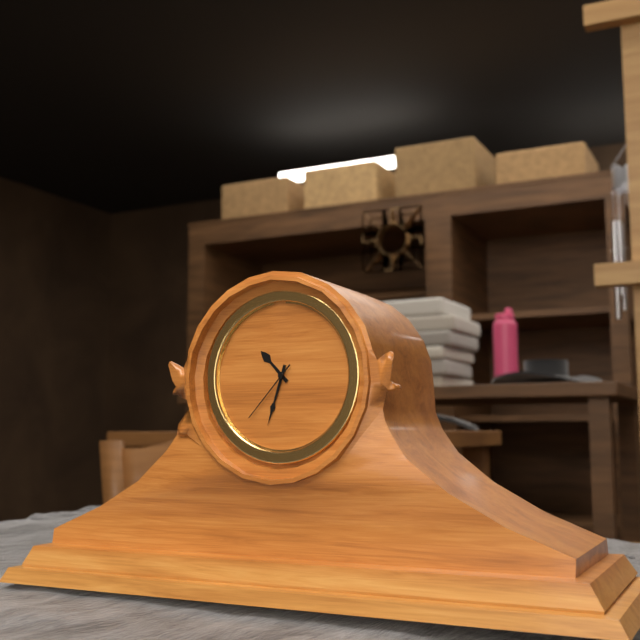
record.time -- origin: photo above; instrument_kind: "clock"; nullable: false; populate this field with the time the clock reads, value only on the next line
10:33:37
